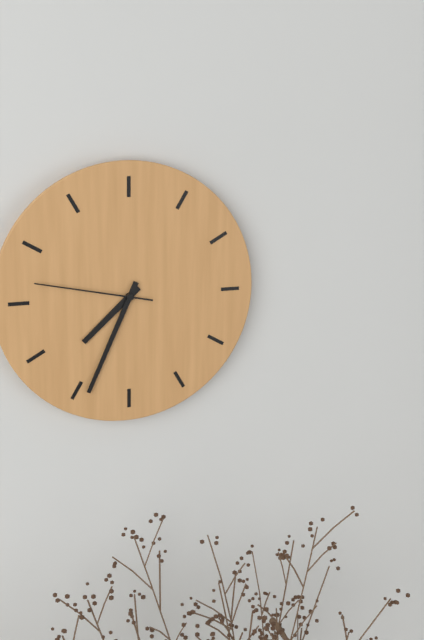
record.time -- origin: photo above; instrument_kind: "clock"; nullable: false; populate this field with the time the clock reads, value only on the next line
7:34:47
